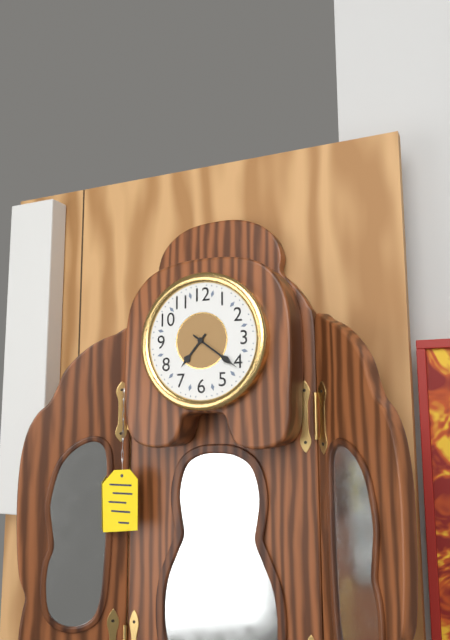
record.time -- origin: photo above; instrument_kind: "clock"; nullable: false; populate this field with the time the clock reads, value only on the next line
7:21
